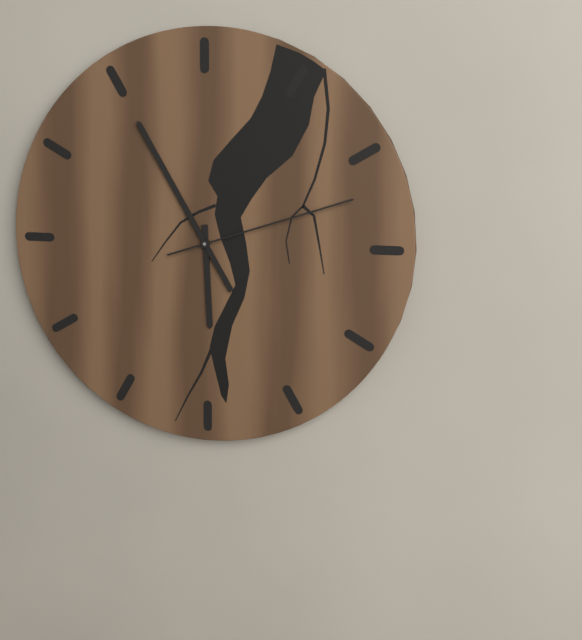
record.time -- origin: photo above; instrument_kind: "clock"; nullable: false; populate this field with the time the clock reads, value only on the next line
5:55:12
